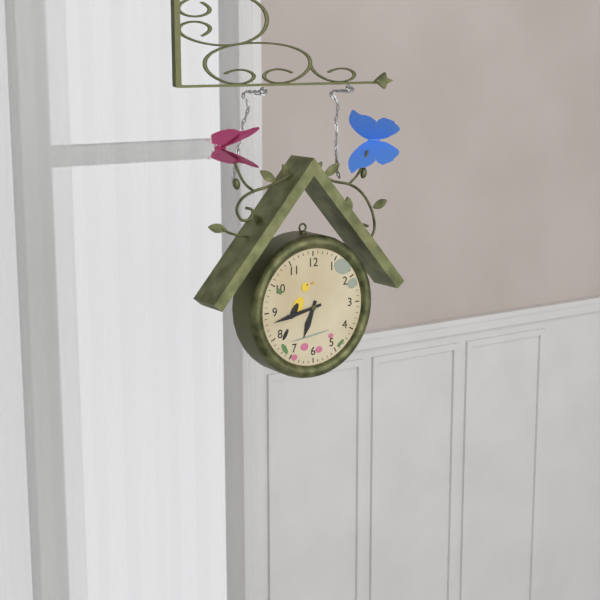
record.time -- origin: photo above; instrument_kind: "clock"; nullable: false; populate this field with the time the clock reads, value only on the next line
6:43
